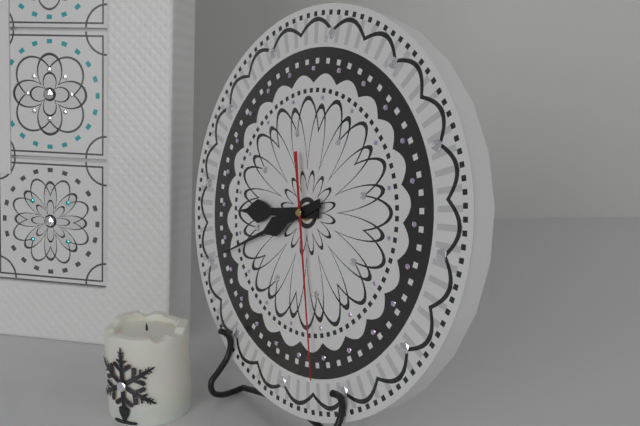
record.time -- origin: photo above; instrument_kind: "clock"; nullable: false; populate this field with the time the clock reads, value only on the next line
8:40:27
